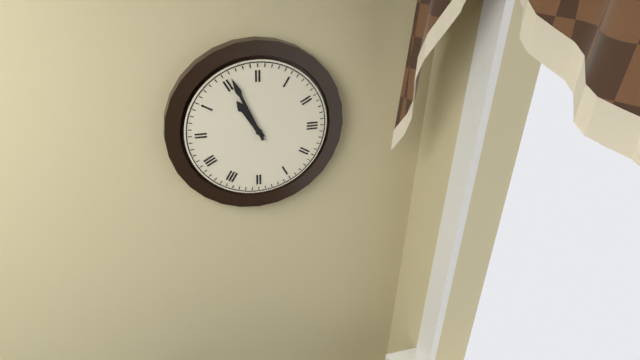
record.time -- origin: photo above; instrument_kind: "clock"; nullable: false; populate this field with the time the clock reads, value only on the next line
10:56
